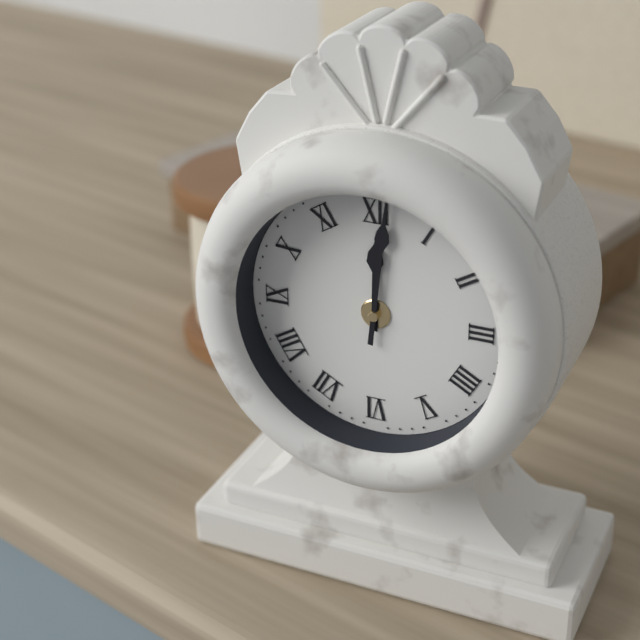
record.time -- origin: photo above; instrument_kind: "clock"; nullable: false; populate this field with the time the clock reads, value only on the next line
12:01
